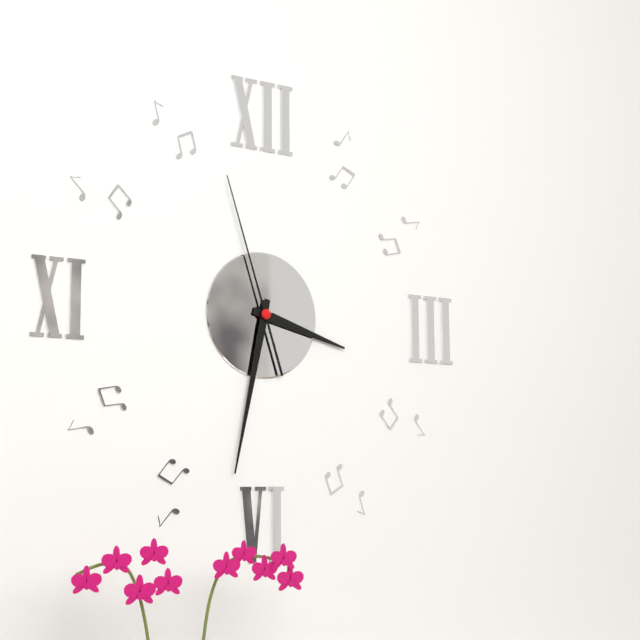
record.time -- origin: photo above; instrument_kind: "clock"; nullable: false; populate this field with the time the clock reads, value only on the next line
3:32:57
